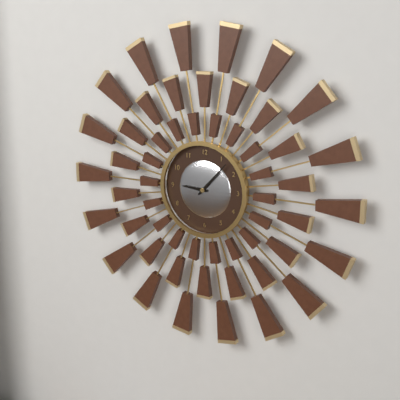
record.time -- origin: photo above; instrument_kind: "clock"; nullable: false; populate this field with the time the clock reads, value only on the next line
9:07
